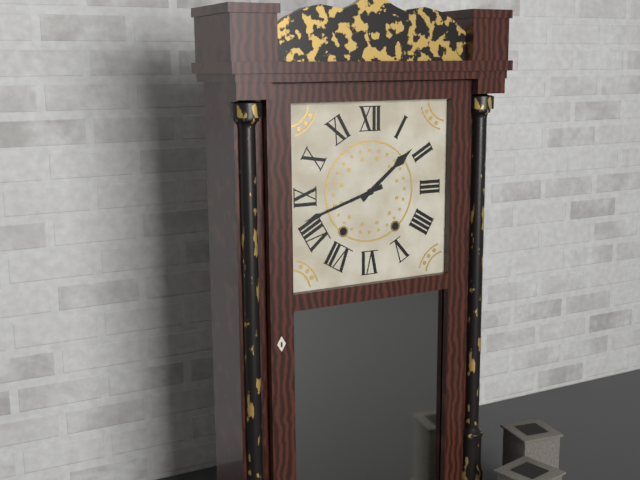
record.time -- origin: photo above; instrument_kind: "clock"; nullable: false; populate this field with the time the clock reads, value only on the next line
1:42
